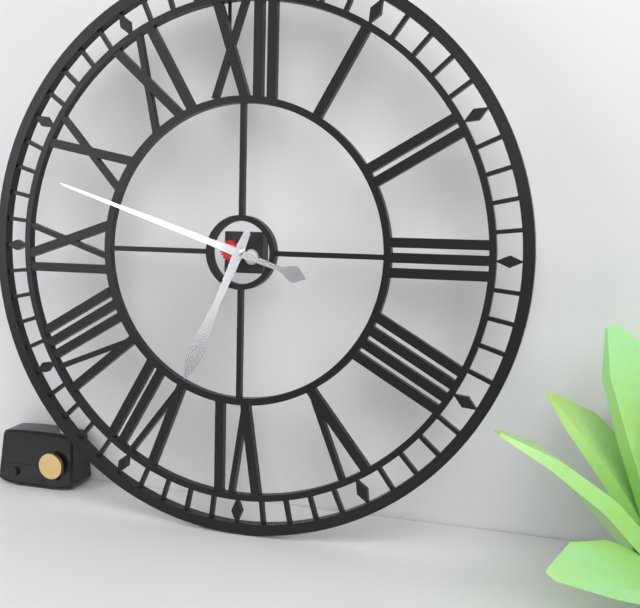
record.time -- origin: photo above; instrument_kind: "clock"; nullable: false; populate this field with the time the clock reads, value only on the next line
6:48
